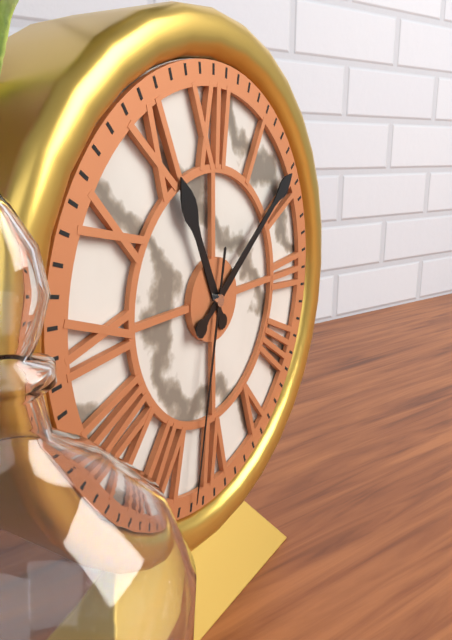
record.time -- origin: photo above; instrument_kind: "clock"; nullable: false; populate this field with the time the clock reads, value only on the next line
11:09:32
